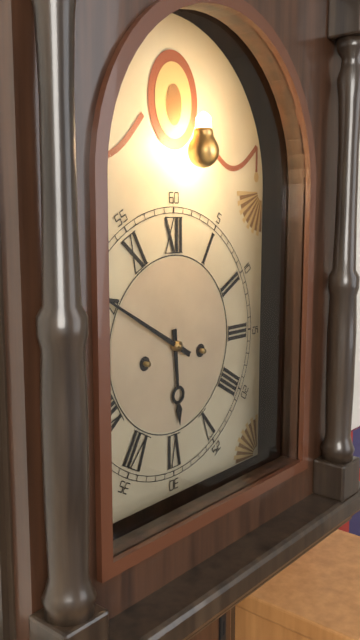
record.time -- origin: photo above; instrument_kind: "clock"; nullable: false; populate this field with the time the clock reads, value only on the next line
5:50
